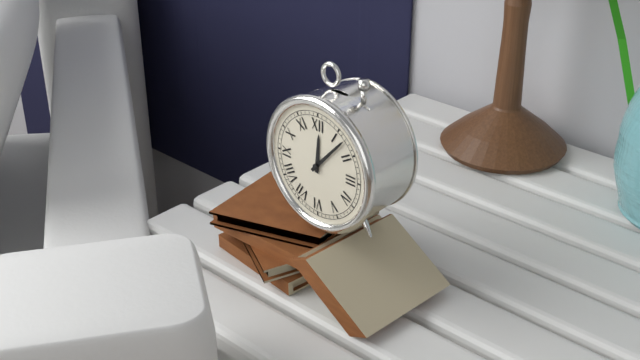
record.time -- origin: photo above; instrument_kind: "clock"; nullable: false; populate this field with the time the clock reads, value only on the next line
12:07
